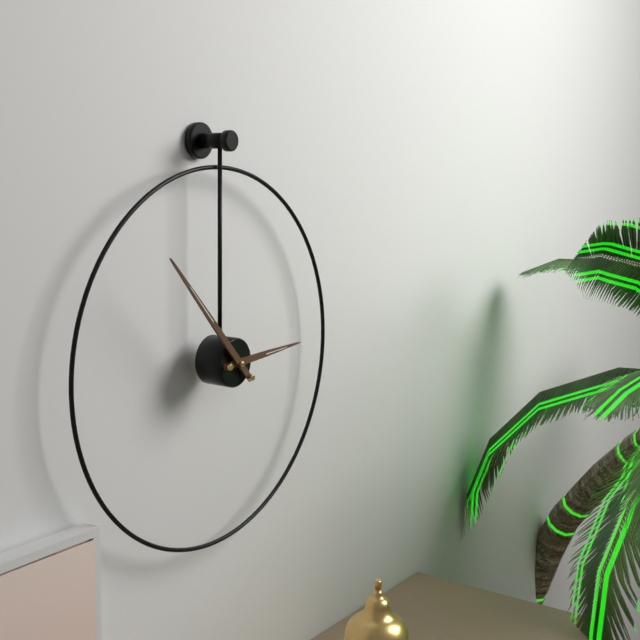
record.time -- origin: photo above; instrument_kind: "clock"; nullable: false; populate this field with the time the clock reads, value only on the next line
2:53
